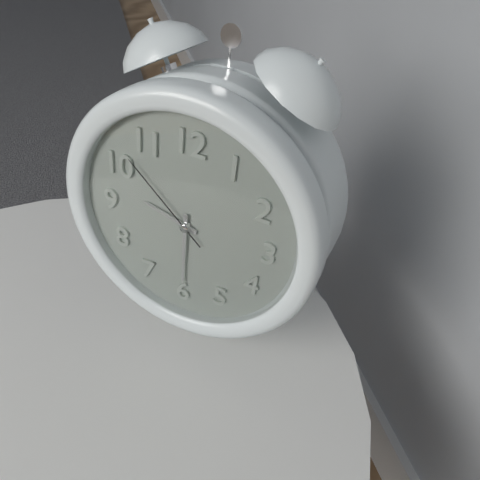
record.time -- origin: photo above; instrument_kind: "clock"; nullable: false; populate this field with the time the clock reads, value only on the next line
9:30:52
